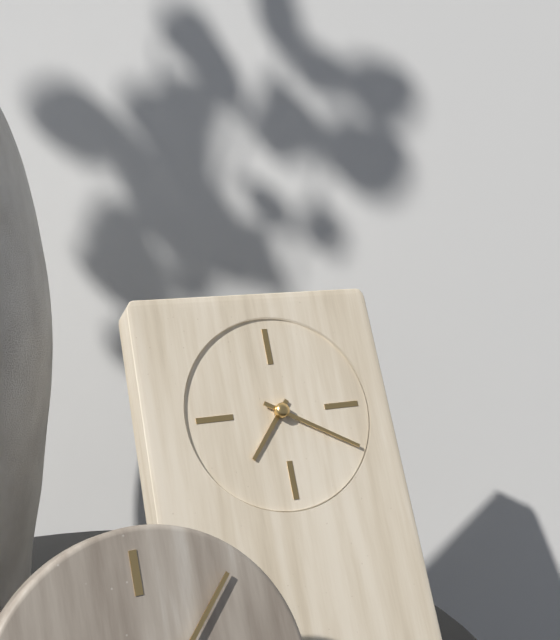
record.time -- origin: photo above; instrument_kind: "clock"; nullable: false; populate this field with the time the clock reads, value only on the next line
7:20
